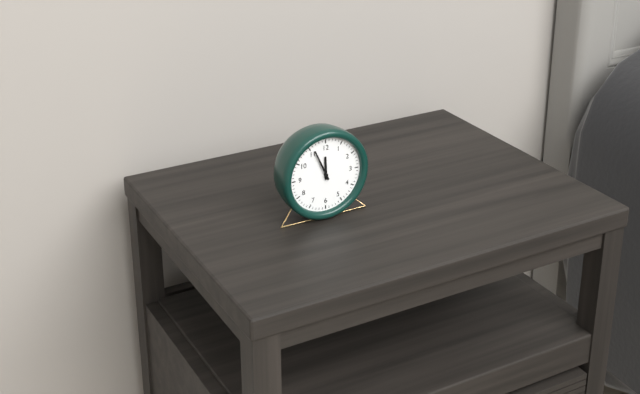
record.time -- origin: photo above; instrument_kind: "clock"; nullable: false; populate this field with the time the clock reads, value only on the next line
11:56
